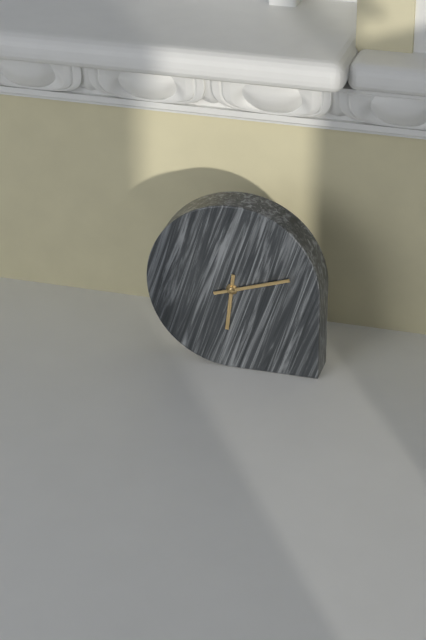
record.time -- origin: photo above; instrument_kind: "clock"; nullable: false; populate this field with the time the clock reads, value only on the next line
6:12
